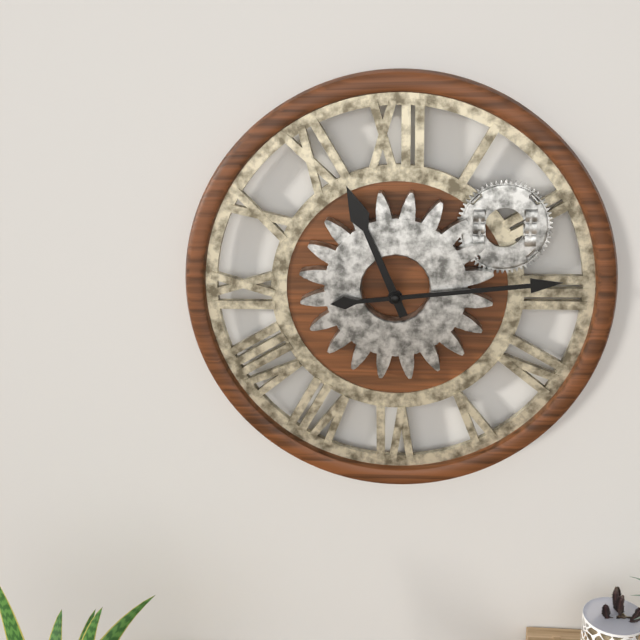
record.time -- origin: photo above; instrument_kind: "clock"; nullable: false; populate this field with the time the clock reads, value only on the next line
11:14
